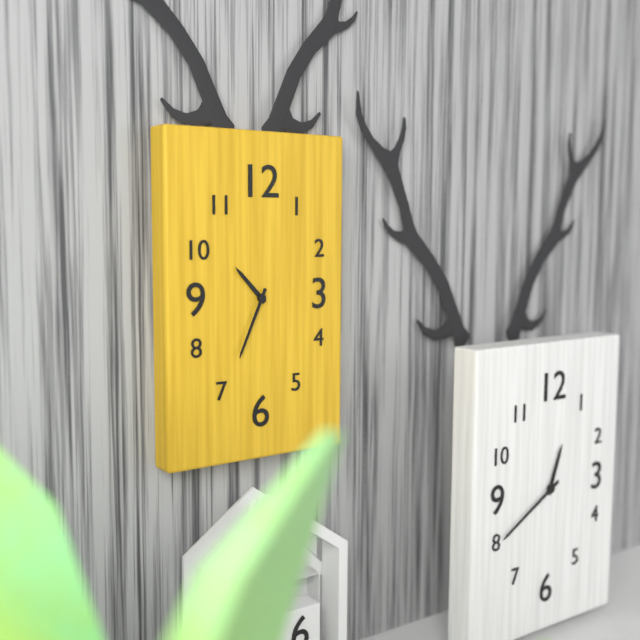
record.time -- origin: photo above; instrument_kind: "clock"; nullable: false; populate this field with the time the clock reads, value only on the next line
10:34
